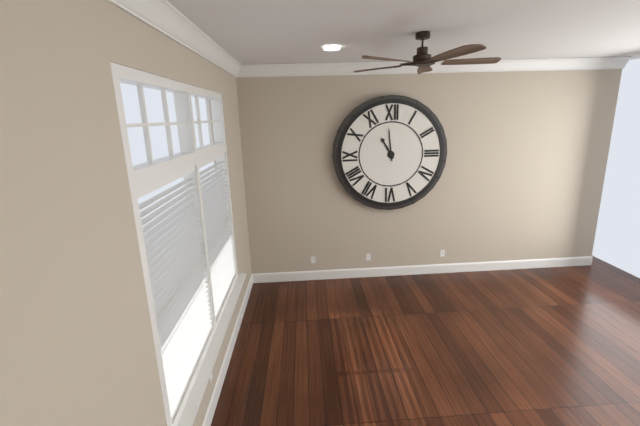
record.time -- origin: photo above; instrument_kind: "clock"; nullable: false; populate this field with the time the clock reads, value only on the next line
10:59
